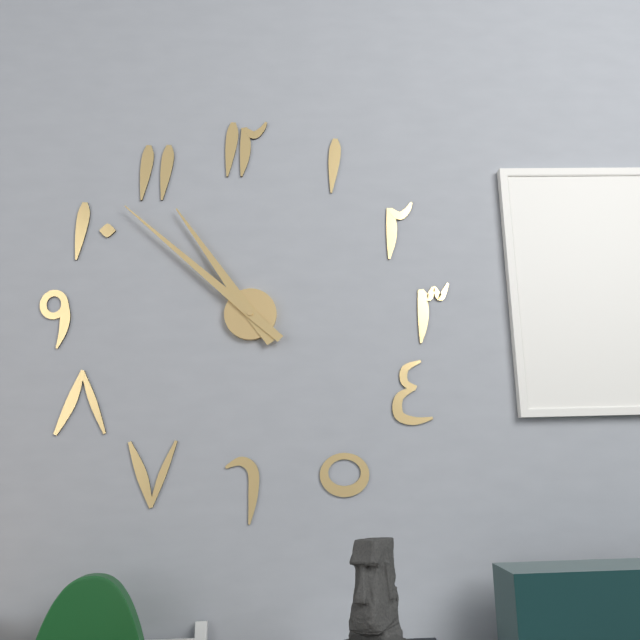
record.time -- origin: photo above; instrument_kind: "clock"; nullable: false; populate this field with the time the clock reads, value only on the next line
10:52
